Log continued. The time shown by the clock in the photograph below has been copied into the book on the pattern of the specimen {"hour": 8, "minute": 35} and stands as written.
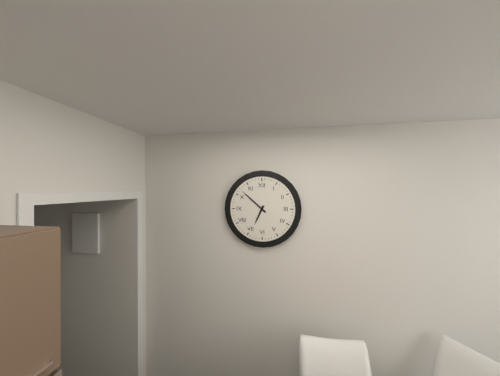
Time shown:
{"hour": 6, "minute": 52}
